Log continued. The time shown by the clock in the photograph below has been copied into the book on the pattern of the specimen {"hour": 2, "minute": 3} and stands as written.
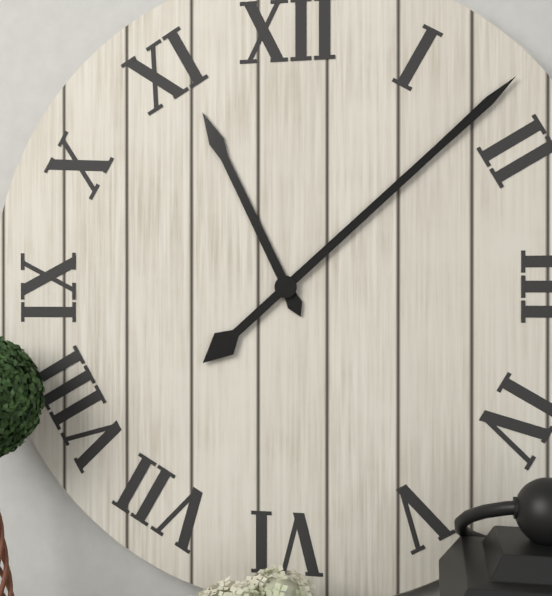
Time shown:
{"hour": 11, "minute": 8}
